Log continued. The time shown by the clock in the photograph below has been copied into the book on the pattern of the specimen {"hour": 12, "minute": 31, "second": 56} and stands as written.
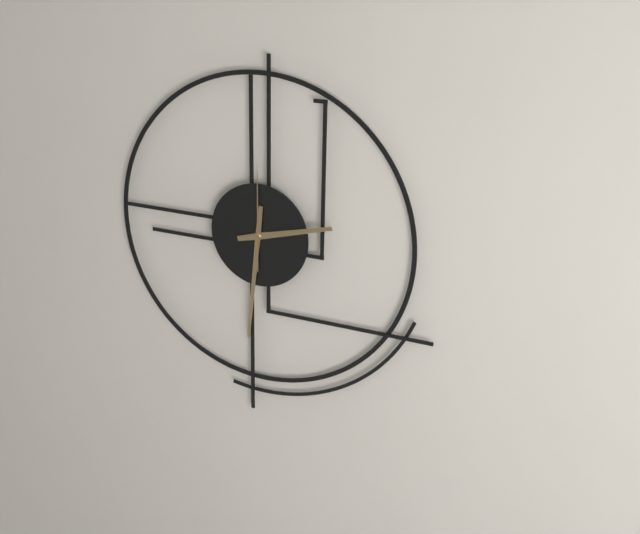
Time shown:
{"hour": 2, "minute": 31, "second": 0}
